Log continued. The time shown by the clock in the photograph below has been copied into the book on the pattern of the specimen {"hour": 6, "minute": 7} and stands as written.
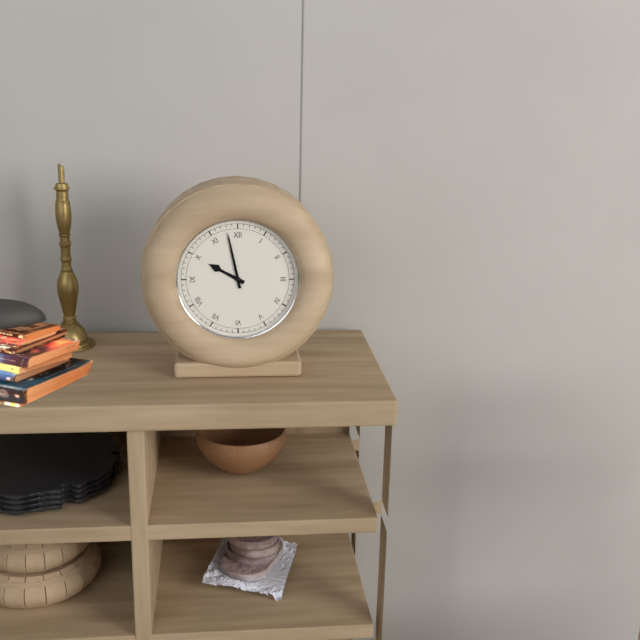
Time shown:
{"hour": 9, "minute": 58}
